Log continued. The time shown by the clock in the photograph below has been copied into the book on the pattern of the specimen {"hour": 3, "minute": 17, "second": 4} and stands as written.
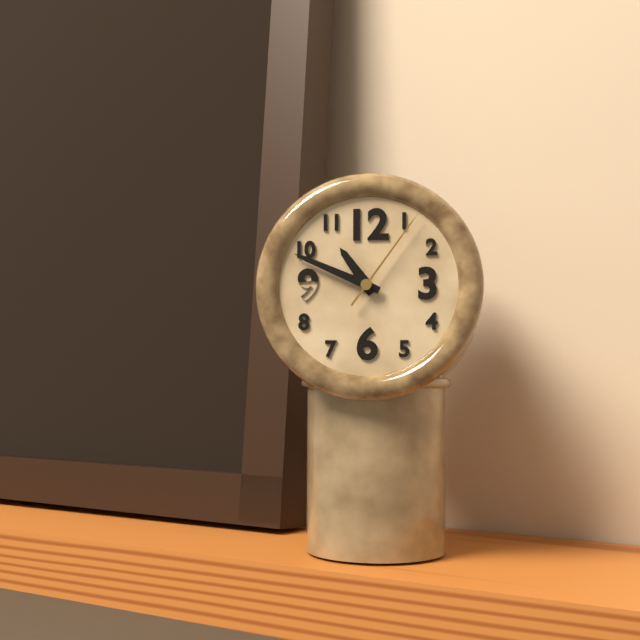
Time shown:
{"hour": 10, "minute": 49, "second": 6}
